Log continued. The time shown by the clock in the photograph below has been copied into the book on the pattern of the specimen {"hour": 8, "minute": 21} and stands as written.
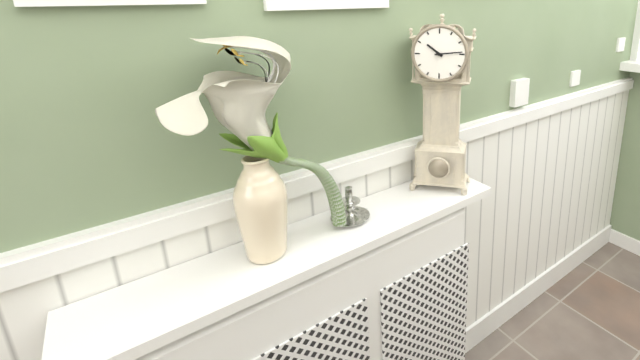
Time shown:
{"hour": 10, "minute": 14}
